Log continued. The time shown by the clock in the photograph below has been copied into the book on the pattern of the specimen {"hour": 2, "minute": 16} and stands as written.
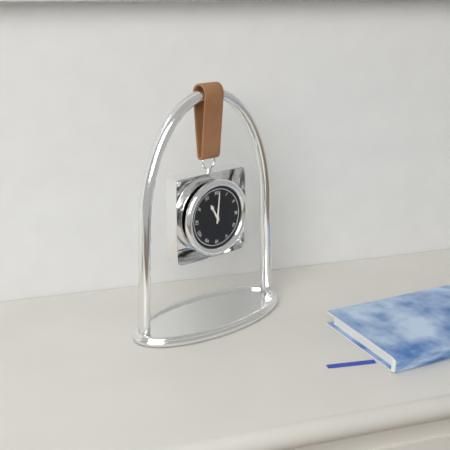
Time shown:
{"hour": 11, "minute": 1}
